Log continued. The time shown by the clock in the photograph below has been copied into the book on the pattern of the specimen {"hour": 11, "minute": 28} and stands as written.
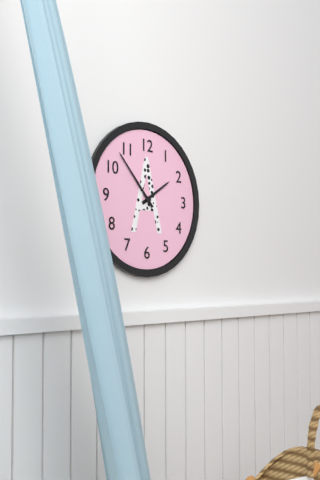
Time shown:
{"hour": 1, "minute": 53}
